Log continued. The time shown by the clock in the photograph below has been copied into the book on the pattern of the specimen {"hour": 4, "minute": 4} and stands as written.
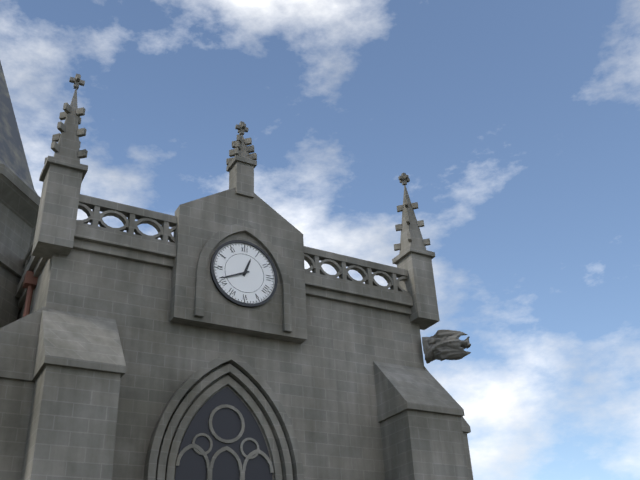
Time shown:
{"hour": 12, "minute": 41}
